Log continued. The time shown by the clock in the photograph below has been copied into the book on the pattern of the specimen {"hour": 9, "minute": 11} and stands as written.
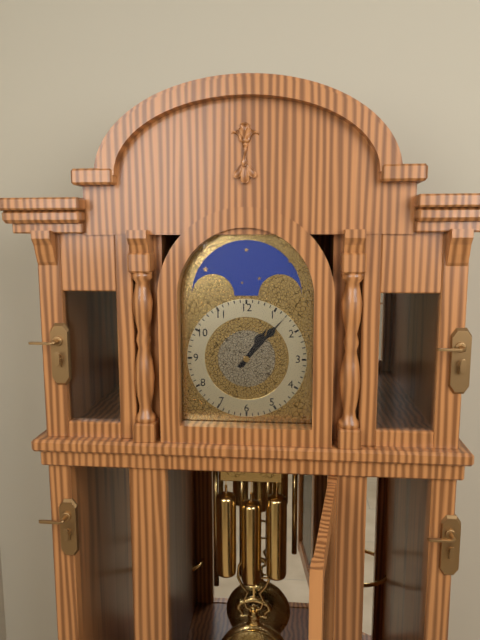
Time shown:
{"hour": 1, "minute": 7}
